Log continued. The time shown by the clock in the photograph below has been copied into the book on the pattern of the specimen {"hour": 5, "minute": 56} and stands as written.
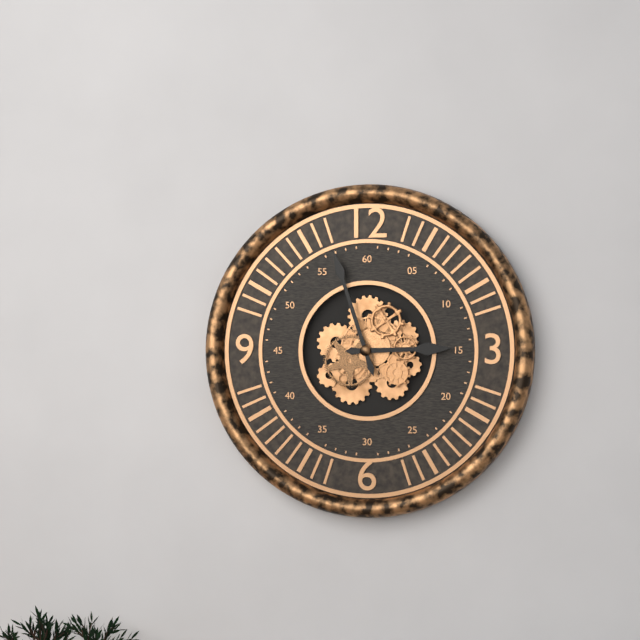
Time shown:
{"hour": 2, "minute": 57}
